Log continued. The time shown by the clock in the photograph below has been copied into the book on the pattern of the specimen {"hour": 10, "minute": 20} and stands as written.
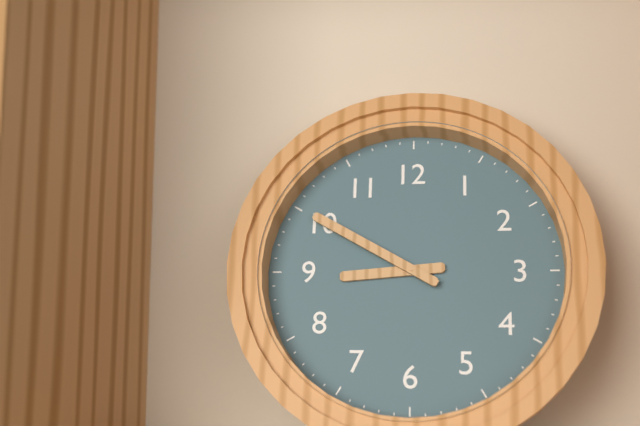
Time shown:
{"hour": 8, "minute": 50}
